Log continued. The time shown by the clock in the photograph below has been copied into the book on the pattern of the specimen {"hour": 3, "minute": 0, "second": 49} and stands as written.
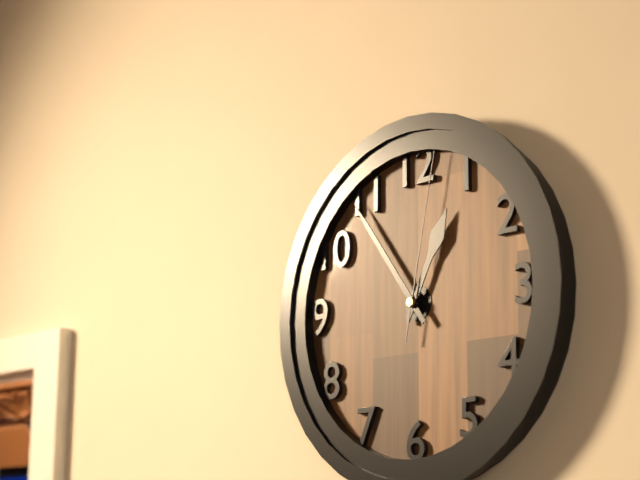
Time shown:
{"hour": 12, "minute": 54, "second": 2}
